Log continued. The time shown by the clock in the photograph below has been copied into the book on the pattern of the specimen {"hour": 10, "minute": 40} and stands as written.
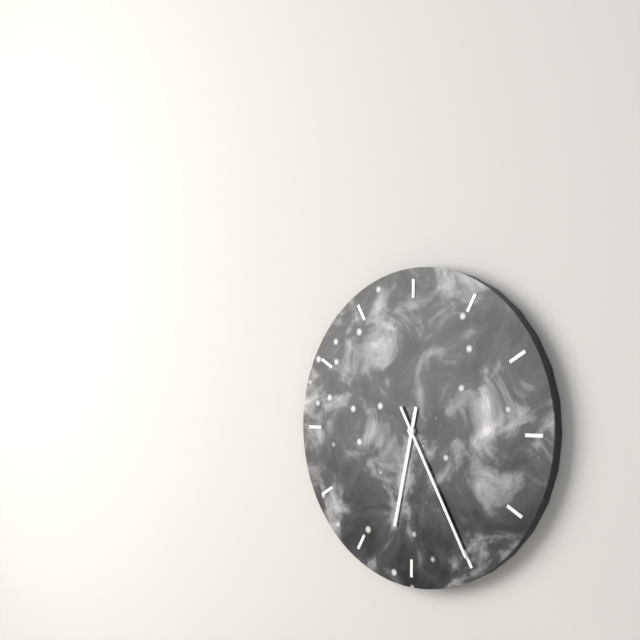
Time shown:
{"hour": 6, "minute": 25}
